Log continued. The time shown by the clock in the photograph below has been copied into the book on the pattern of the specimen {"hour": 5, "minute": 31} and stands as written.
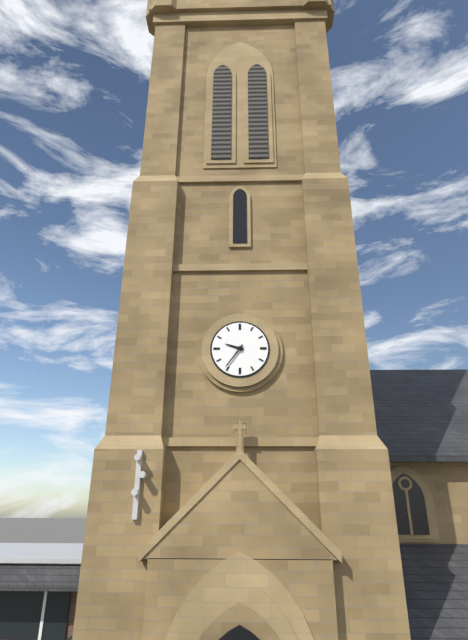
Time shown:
{"hour": 9, "minute": 36}
